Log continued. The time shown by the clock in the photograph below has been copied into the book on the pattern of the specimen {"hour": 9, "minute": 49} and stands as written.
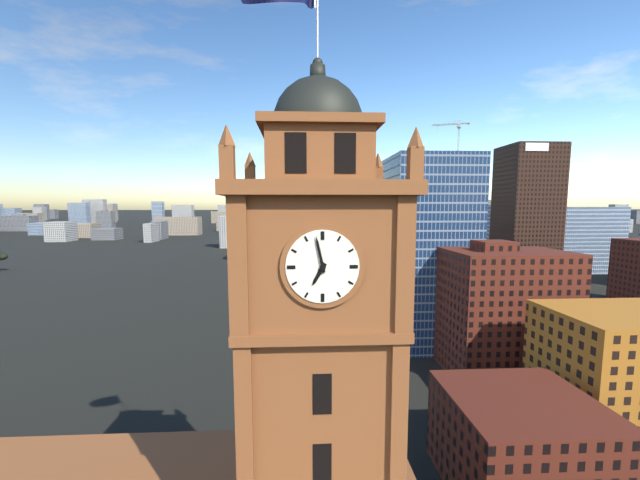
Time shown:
{"hour": 6, "minute": 58}
